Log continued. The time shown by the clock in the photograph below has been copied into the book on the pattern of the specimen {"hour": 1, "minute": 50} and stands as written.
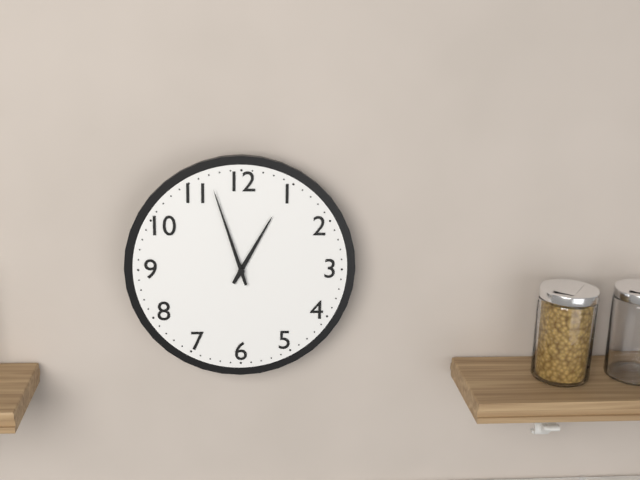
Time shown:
{"hour": 12, "minute": 57}
